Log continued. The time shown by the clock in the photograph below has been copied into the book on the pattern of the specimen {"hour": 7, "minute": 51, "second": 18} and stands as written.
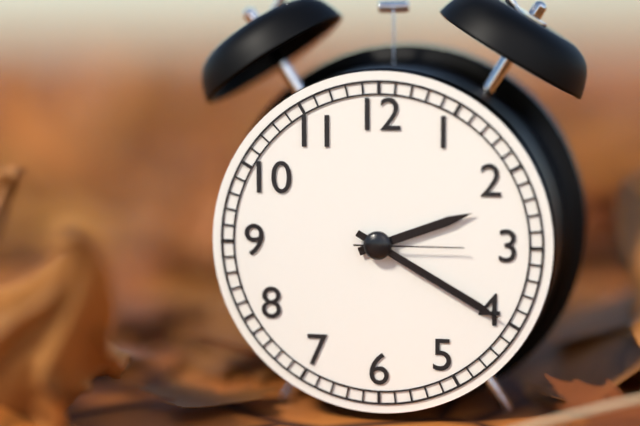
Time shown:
{"hour": 2, "minute": 20, "second": 15}
